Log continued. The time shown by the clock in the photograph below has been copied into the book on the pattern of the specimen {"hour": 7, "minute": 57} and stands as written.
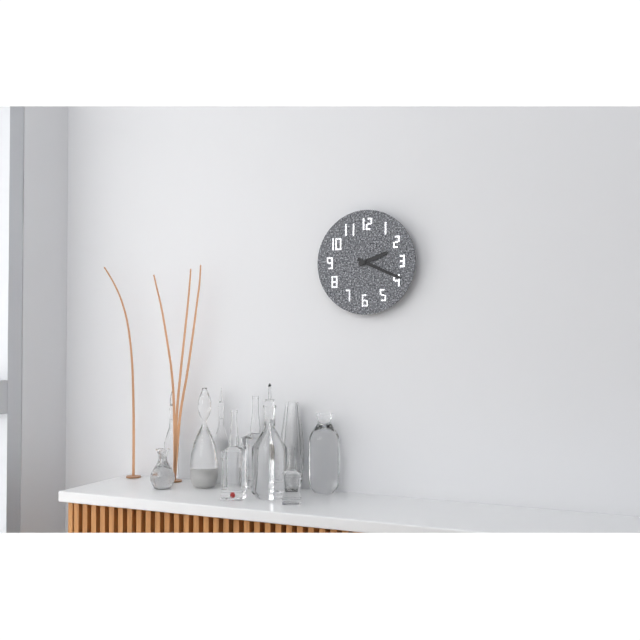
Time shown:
{"hour": 2, "minute": 19}
